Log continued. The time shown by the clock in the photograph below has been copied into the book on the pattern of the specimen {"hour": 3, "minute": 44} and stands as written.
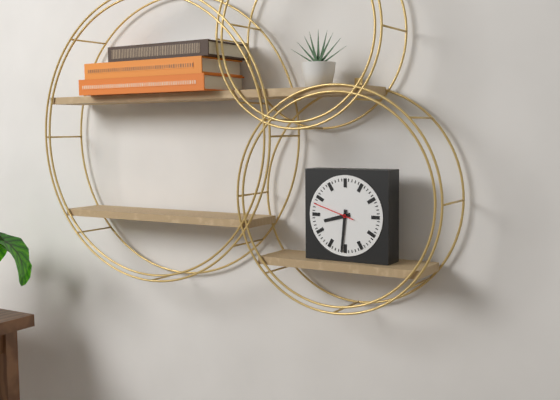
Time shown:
{"hour": 8, "minute": 31}
